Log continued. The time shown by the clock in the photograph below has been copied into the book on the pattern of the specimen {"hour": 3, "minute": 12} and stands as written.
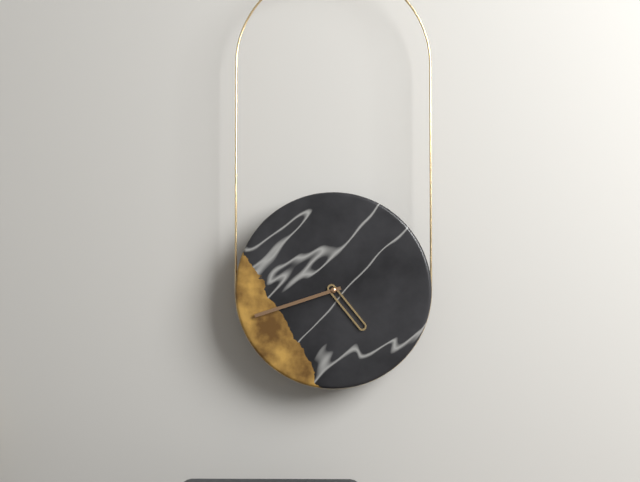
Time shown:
{"hour": 4, "minute": 42}
